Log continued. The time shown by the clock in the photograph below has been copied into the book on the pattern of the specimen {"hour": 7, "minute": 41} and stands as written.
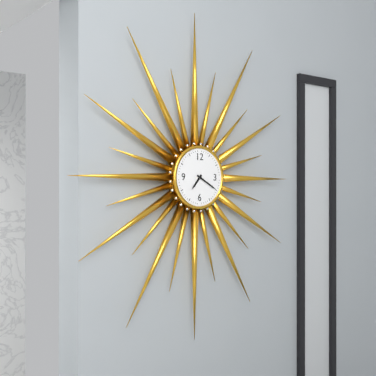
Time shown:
{"hour": 7, "minute": 20}
